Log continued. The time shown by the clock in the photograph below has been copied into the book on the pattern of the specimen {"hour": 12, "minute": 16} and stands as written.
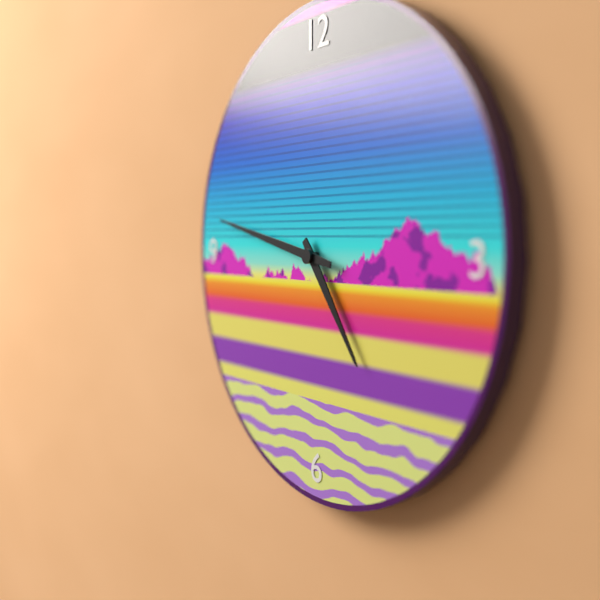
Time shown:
{"hour": 4, "minute": 47}
